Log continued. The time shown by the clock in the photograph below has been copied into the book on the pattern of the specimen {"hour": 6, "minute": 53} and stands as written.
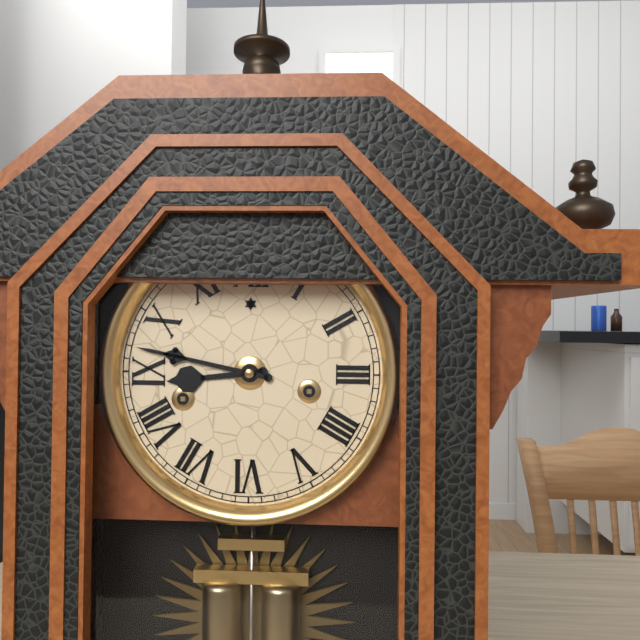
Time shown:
{"hour": 8, "minute": 47}
